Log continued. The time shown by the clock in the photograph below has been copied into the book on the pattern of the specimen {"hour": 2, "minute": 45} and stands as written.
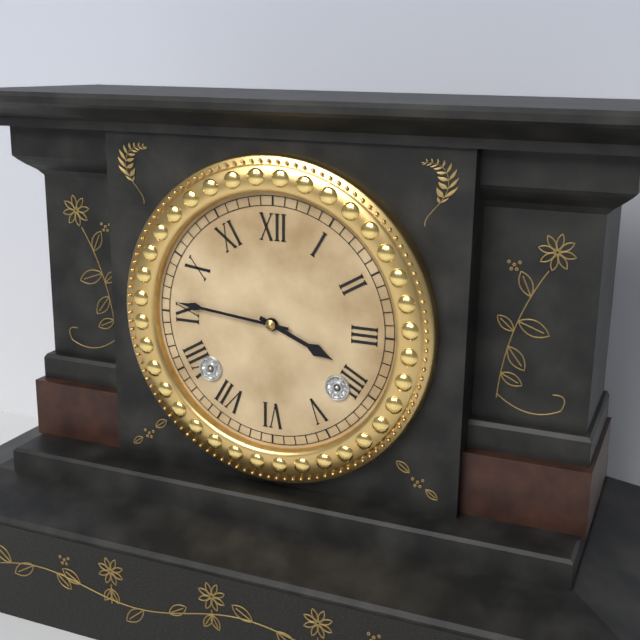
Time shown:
{"hour": 3, "minute": 46}
